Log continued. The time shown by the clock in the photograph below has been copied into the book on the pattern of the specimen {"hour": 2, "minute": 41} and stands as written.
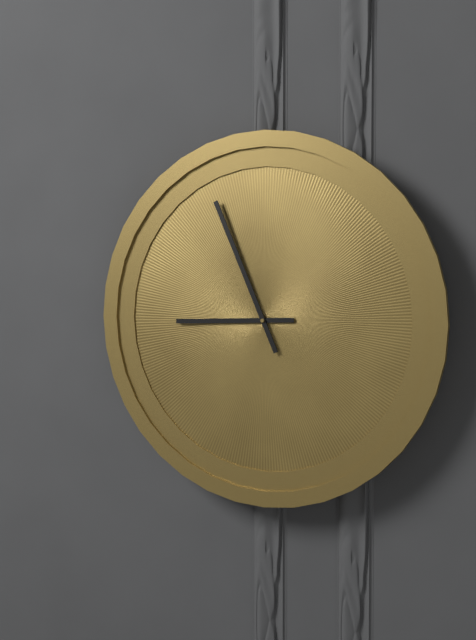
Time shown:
{"hour": 8, "minute": 56}
